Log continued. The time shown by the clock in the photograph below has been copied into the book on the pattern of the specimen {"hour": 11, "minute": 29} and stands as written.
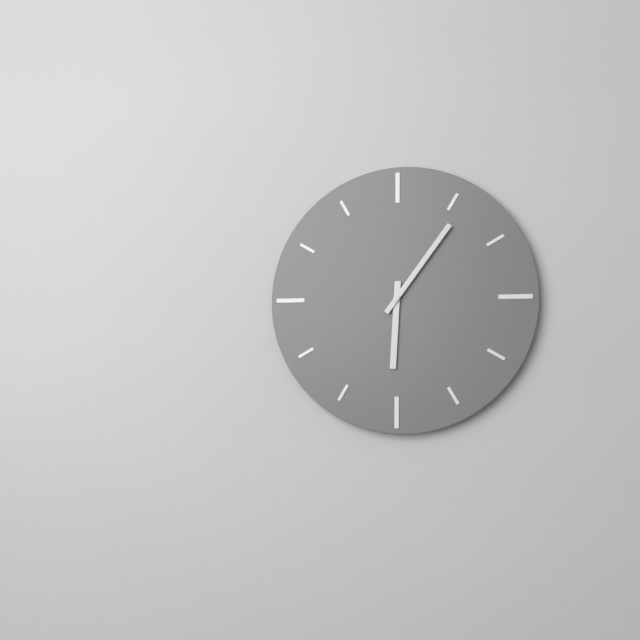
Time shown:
{"hour": 6, "minute": 6}
